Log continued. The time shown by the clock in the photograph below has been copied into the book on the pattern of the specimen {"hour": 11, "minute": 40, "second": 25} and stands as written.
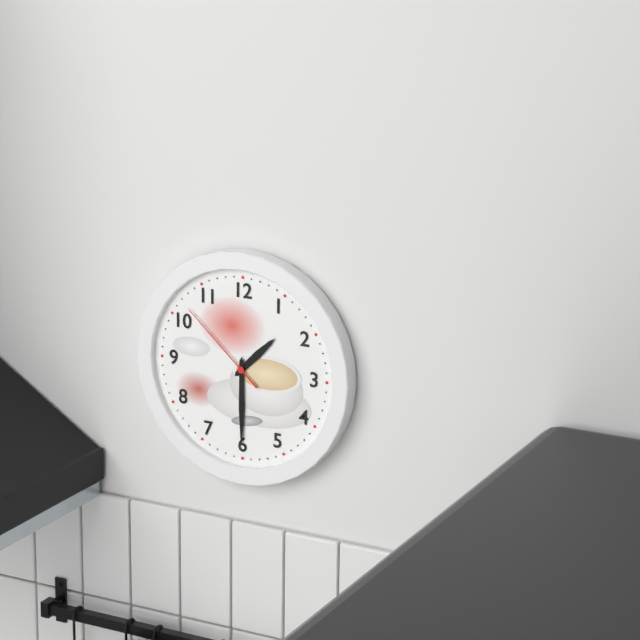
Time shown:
{"hour": 1, "minute": 30, "second": 52}
